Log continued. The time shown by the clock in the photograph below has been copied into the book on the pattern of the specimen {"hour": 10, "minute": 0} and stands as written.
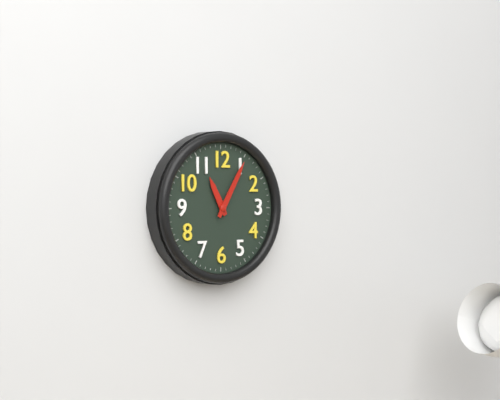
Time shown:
{"hour": 11, "minute": 5}
